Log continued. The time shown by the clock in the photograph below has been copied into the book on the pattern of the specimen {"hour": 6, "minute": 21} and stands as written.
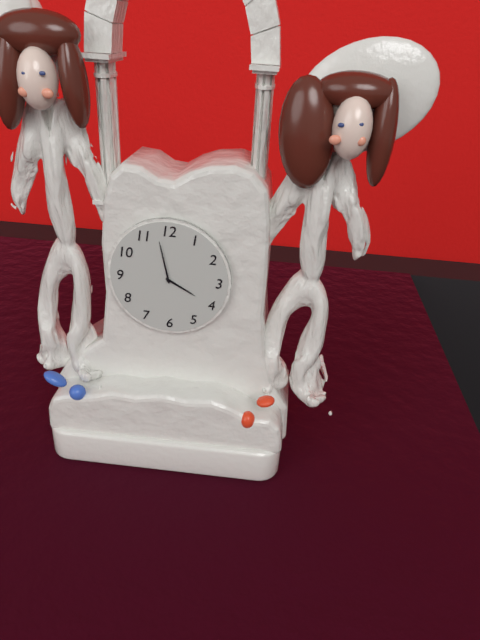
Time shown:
{"hour": 3, "minute": 58}
